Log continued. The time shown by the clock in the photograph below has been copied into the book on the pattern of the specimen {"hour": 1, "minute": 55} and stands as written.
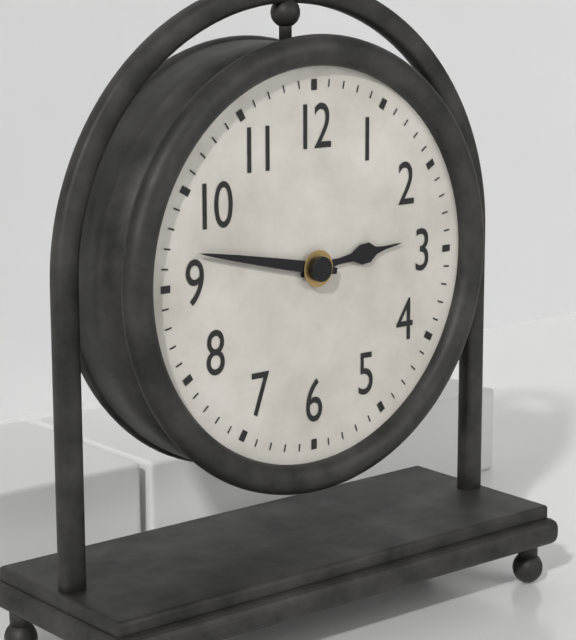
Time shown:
{"hour": 2, "minute": 47}
